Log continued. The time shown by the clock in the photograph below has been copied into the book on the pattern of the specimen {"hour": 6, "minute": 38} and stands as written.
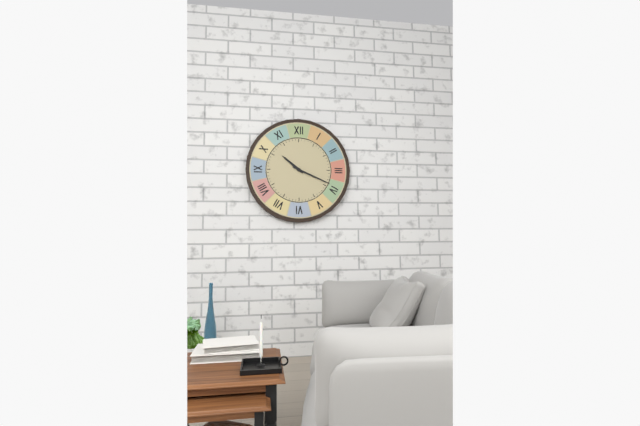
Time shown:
{"hour": 10, "minute": 19}
